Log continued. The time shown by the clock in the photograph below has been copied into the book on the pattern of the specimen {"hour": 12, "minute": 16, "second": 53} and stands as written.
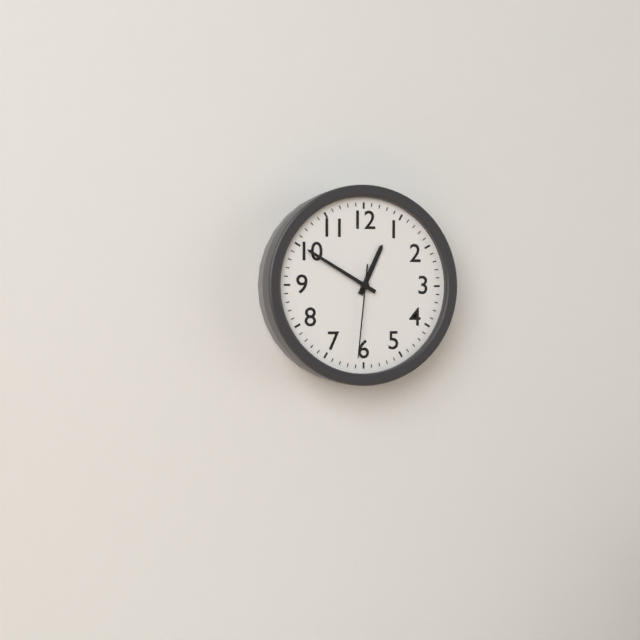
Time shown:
{"hour": 12, "minute": 50, "second": 31}
